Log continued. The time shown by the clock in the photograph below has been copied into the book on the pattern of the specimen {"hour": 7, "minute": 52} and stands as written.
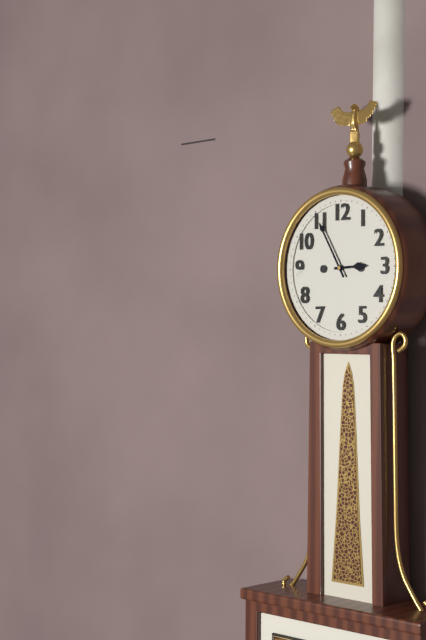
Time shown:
{"hour": 2, "minute": 55}
